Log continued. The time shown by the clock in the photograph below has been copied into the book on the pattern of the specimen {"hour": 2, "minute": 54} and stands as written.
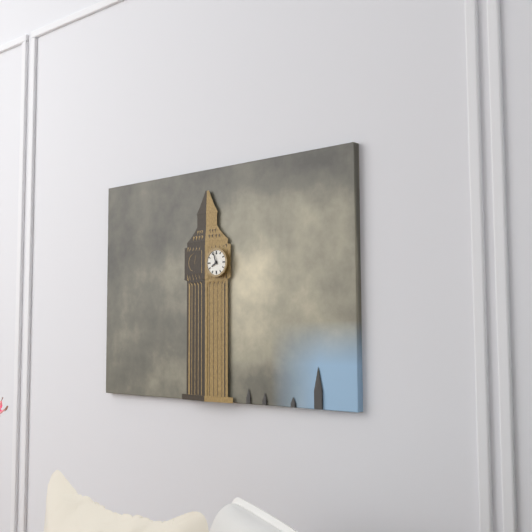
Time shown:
{"hour": 7, "minute": 57}
